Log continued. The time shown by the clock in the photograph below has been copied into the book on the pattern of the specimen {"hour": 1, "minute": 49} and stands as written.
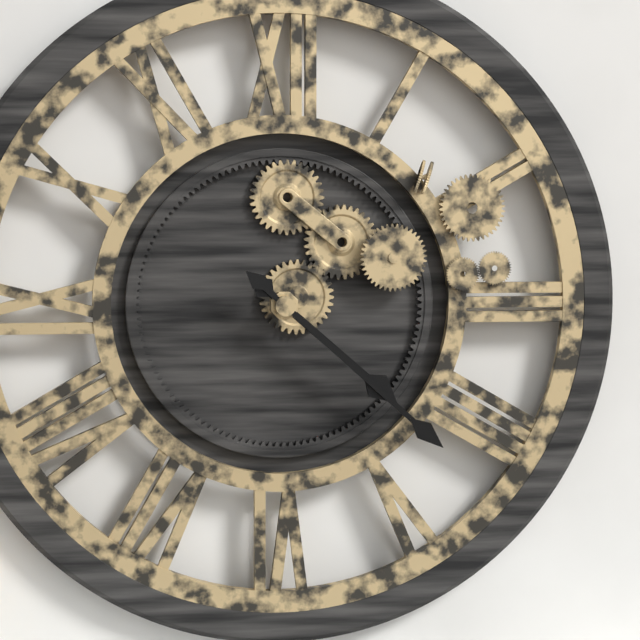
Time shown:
{"hour": 4, "minute": 22}
